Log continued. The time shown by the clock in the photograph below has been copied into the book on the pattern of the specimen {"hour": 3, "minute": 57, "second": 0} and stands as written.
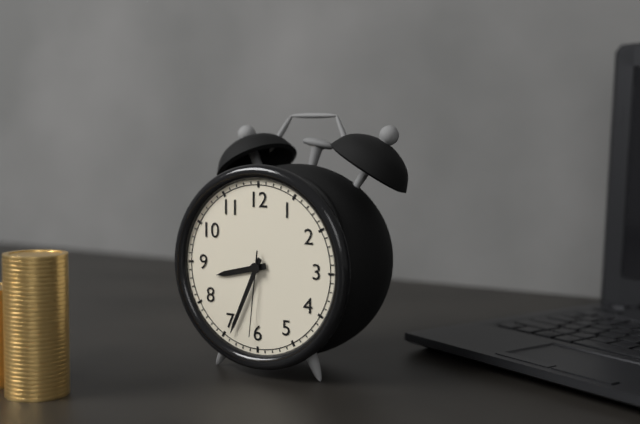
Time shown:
{"hour": 8, "minute": 34, "second": 31}
